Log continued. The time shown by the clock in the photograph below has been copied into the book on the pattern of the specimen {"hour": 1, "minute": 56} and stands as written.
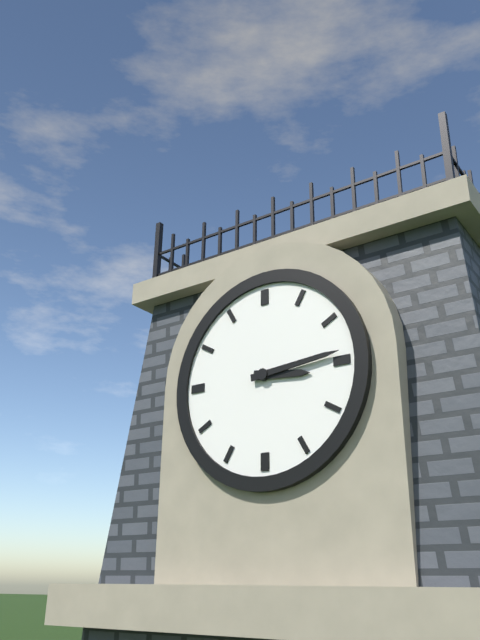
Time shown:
{"hour": 3, "minute": 14}
